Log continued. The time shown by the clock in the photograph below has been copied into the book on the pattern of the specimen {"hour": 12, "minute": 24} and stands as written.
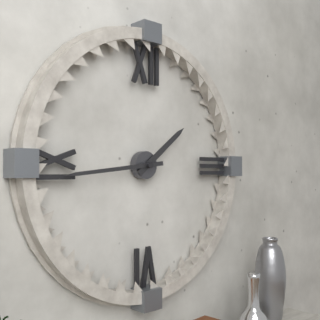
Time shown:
{"hour": 1, "minute": 44}
